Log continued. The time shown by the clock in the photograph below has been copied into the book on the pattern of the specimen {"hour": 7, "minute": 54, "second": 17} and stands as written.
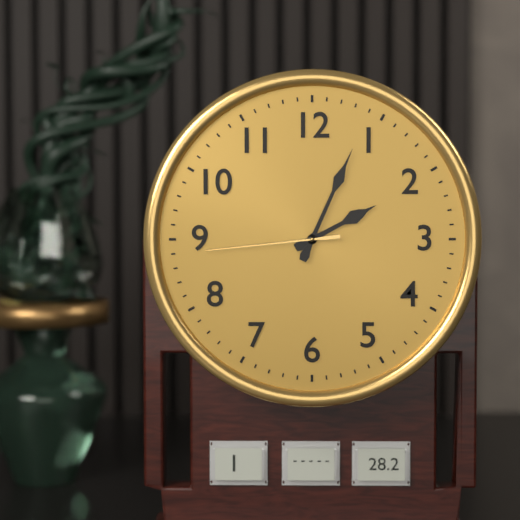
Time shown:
{"hour": 2, "minute": 4, "second": 44}
